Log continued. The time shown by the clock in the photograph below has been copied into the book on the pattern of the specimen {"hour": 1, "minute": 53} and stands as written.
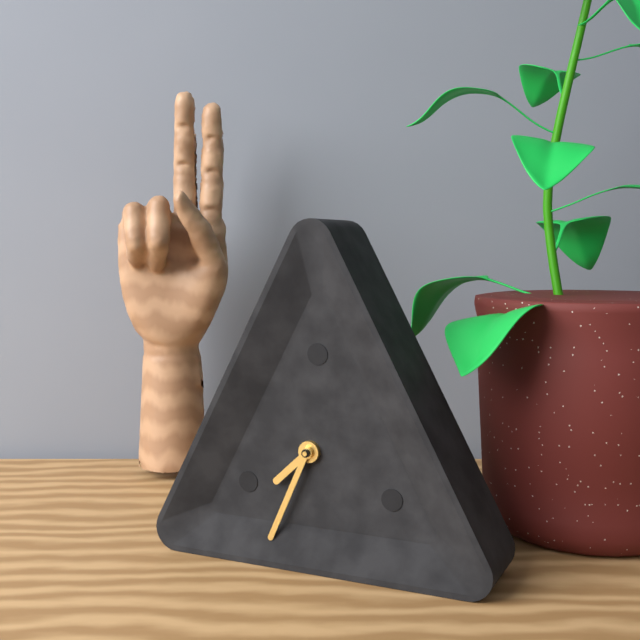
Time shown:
{"hour": 7, "minute": 34}
